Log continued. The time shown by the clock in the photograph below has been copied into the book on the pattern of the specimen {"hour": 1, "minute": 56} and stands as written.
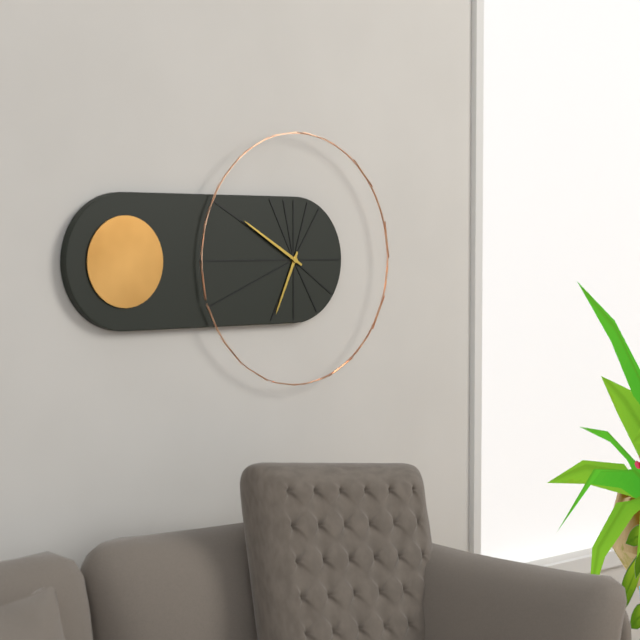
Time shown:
{"hour": 6, "minute": 50}
